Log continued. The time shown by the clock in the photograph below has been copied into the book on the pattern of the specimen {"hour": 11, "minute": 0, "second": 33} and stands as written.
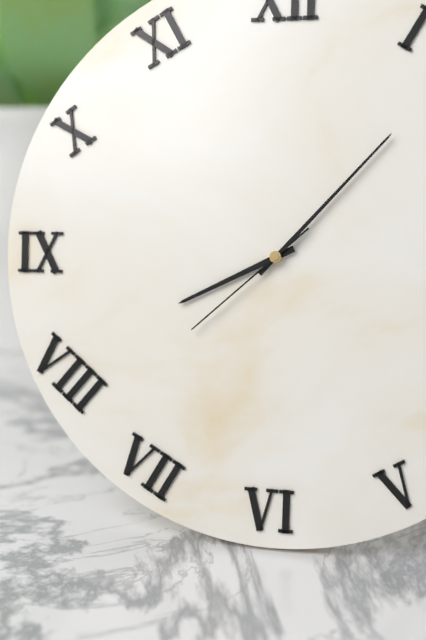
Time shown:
{"hour": 8, "minute": 7, "second": 38}
